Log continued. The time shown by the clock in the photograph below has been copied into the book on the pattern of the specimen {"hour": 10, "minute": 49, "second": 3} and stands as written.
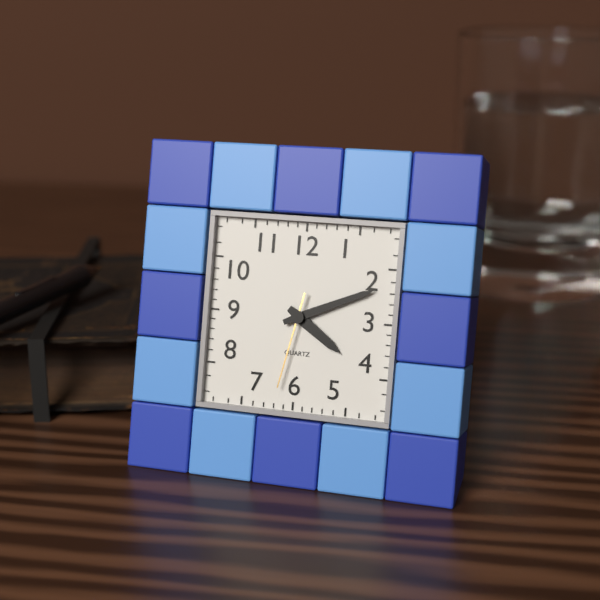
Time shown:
{"hour": 4, "minute": 11, "second": 32}
